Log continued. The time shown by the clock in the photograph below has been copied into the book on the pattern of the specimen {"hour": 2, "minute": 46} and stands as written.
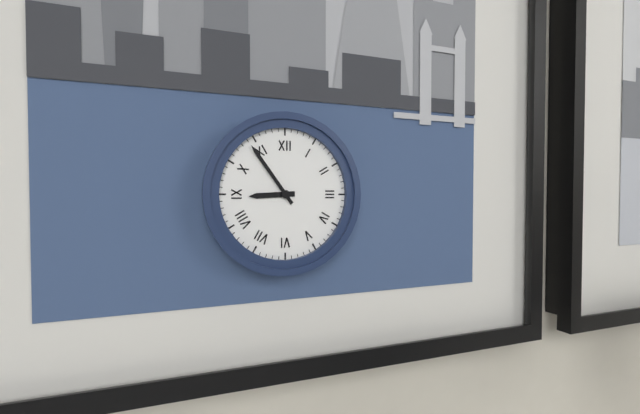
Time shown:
{"hour": 8, "minute": 54}
